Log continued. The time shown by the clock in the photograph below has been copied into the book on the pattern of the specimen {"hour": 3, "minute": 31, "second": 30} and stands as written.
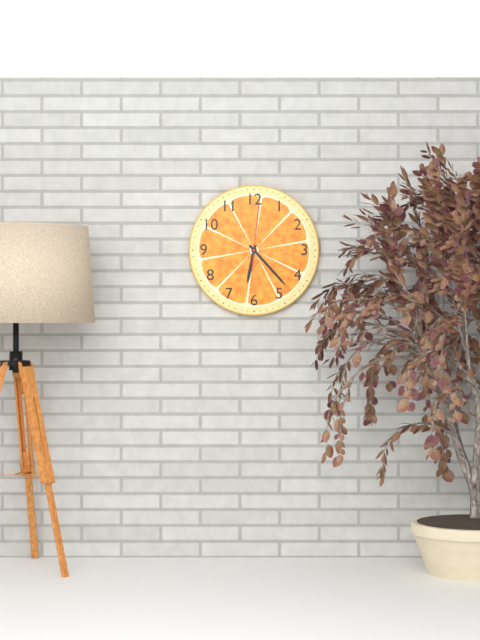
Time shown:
{"hour": 6, "minute": 23, "second": 1}
